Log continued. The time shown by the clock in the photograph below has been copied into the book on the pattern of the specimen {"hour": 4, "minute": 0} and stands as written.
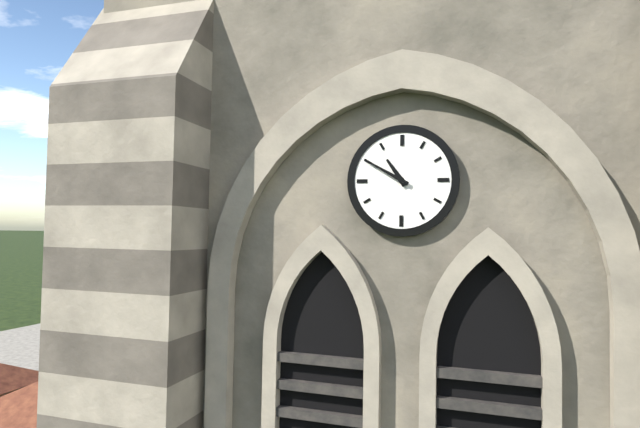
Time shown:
{"hour": 10, "minute": 50}
